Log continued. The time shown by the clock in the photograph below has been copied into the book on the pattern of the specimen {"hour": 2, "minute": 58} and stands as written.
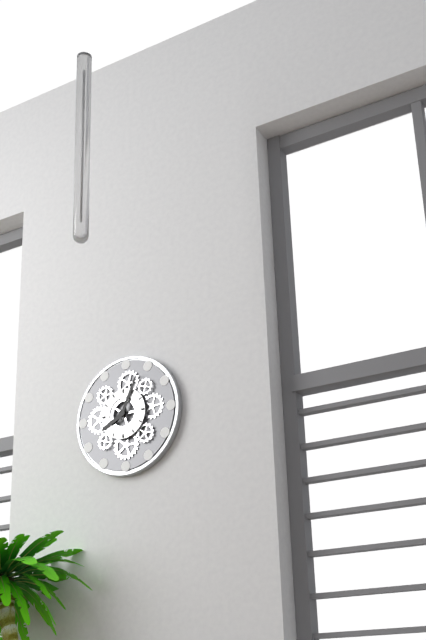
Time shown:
{"hour": 8, "minute": 4}
